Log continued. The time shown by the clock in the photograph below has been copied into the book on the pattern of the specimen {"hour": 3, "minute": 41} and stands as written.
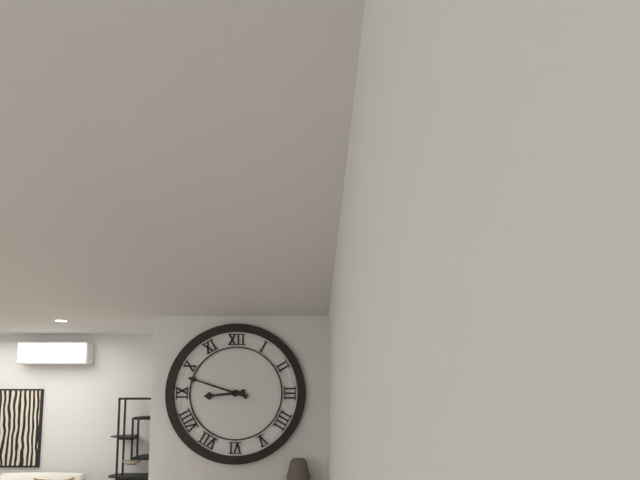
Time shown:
{"hour": 8, "minute": 48}
